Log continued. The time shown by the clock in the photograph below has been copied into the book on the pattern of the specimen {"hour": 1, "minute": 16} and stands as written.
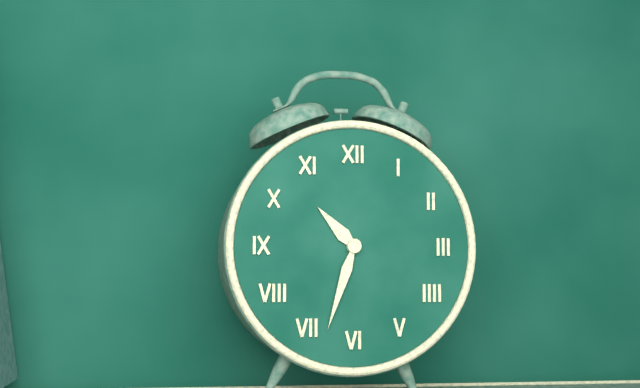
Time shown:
{"hour": 10, "minute": 33}
